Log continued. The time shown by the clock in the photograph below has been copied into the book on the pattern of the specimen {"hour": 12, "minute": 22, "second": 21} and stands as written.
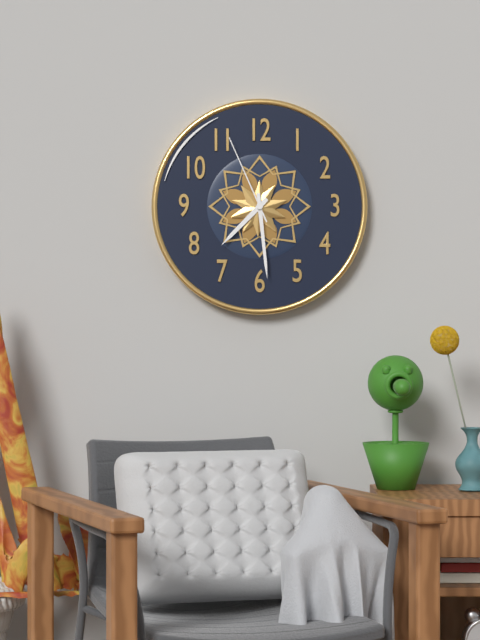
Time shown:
{"hour": 7, "minute": 29, "second": 56}
